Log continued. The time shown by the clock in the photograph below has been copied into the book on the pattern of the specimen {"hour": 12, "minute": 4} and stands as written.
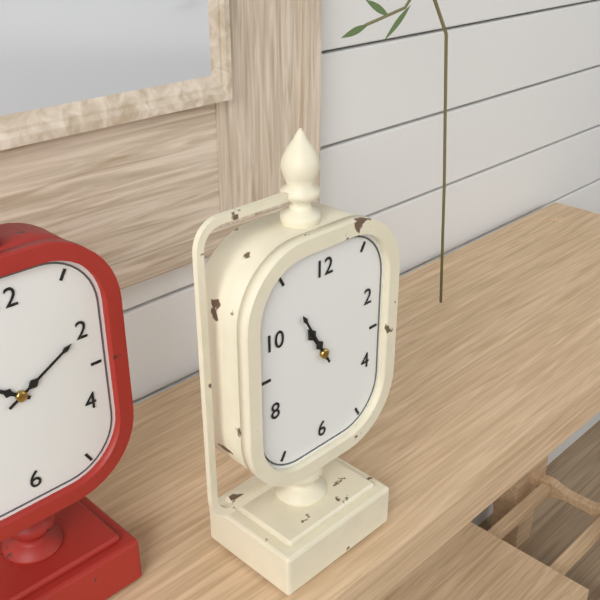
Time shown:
{"hour": 10, "minute": 55}
